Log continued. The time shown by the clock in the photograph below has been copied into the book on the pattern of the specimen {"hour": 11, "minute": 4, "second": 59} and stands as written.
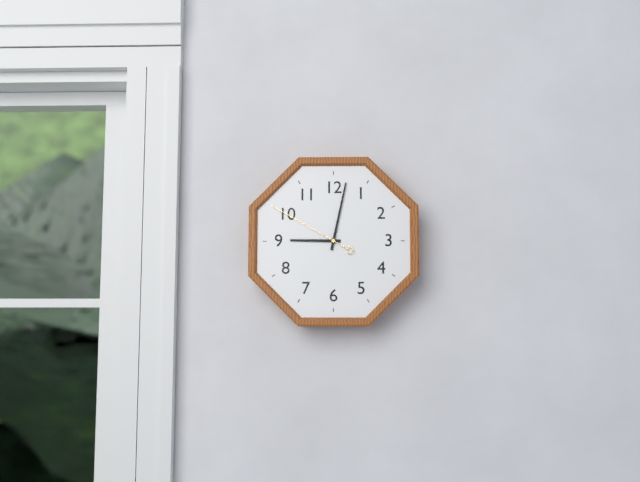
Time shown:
{"hour": 9, "minute": 2, "second": 50}
